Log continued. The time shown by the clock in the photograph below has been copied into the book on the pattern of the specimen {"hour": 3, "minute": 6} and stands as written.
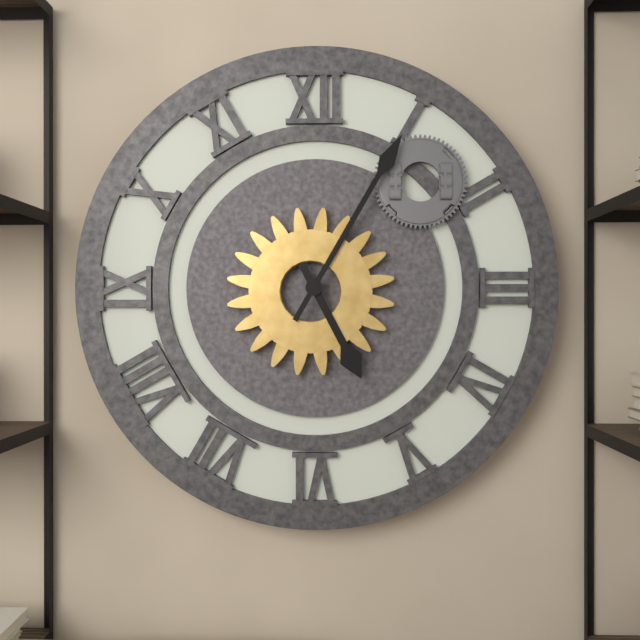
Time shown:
{"hour": 5, "minute": 5}
